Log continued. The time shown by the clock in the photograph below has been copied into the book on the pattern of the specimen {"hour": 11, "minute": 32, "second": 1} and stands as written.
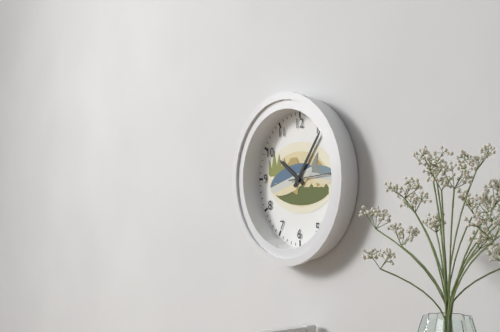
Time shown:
{"hour": 10, "minute": 6, "second": 14}
